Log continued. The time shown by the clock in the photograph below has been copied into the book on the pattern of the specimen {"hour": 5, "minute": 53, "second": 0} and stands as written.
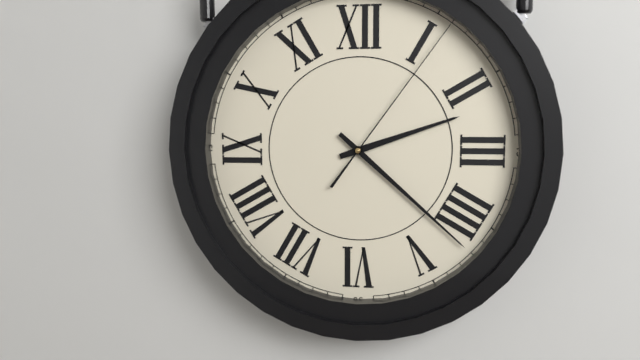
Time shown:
{"hour": 2, "minute": 22, "second": 6}
